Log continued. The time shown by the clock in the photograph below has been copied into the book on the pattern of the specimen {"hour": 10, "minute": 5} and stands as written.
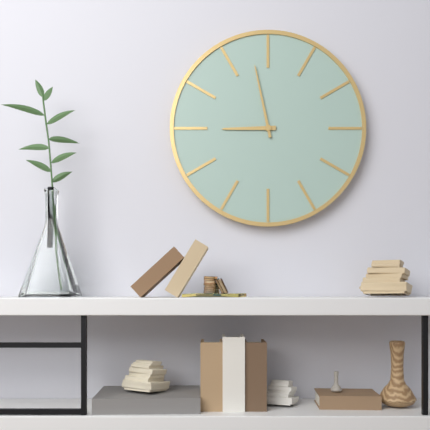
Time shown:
{"hour": 8, "minute": 58}
